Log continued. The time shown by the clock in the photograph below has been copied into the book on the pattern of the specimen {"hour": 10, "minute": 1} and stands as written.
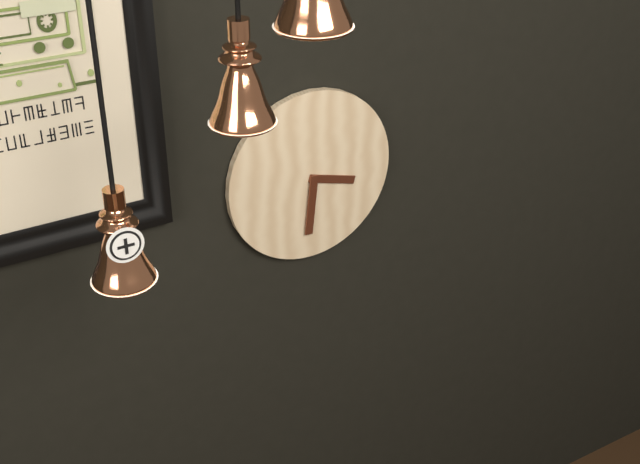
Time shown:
{"hour": 3, "minute": 31}
